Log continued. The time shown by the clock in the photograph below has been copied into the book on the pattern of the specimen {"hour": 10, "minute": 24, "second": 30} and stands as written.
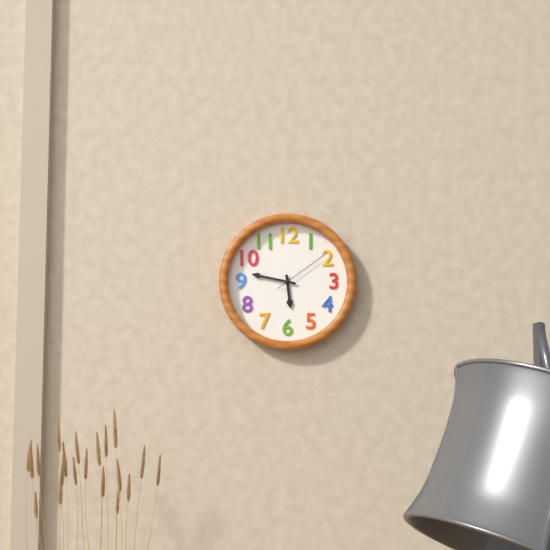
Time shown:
{"hour": 5, "minute": 47, "second": 9}
